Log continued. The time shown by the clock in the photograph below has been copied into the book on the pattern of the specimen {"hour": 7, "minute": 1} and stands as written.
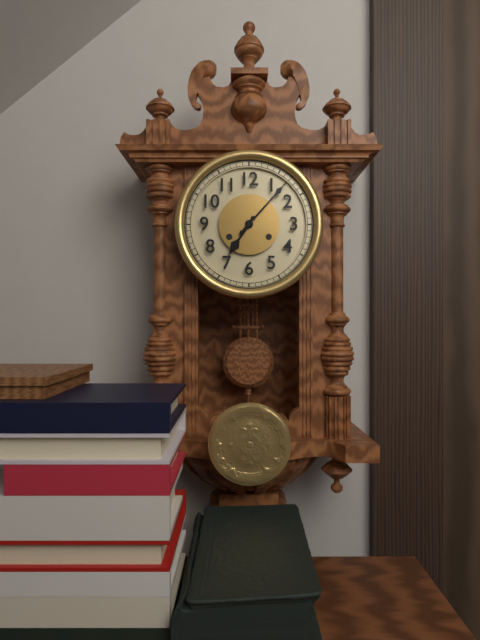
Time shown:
{"hour": 7, "minute": 7}
